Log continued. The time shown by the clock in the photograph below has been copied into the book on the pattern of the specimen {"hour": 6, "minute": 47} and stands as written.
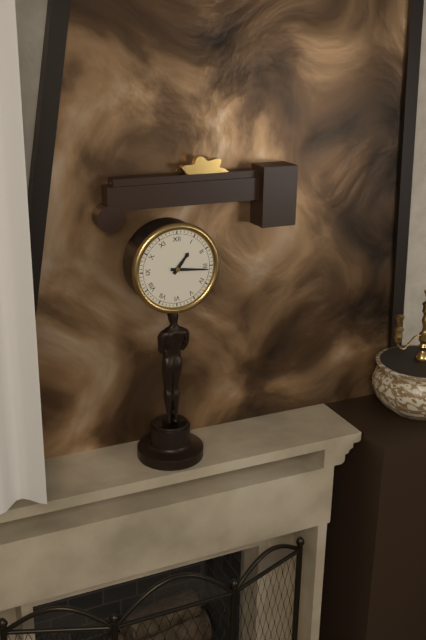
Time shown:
{"hour": 1, "minute": 16}
